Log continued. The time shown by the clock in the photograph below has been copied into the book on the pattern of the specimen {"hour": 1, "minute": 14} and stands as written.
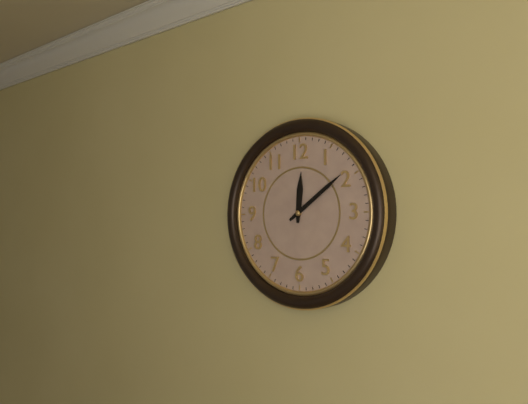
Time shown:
{"hour": 12, "minute": 9}
